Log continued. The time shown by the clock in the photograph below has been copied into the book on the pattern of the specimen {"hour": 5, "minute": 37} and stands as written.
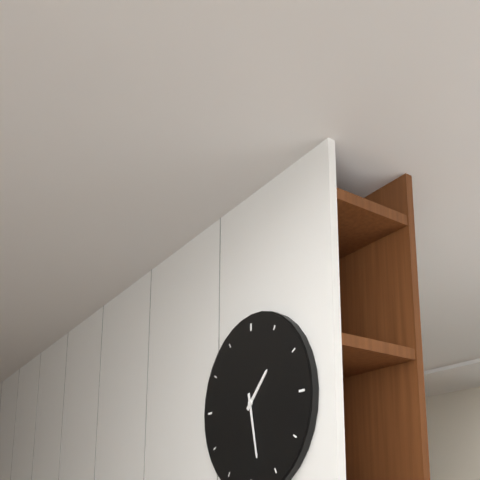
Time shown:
{"hour": 1, "minute": 28}
